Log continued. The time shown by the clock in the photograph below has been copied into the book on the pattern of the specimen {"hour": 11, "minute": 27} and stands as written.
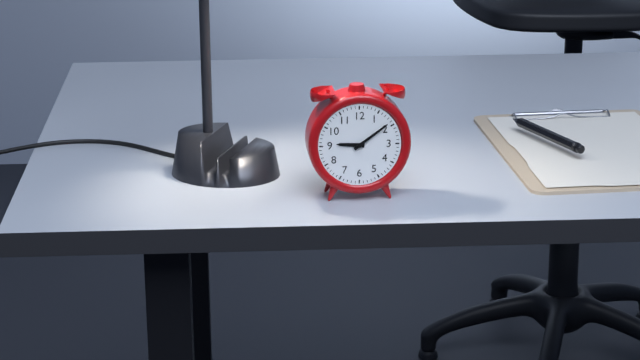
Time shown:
{"hour": 9, "minute": 9}
